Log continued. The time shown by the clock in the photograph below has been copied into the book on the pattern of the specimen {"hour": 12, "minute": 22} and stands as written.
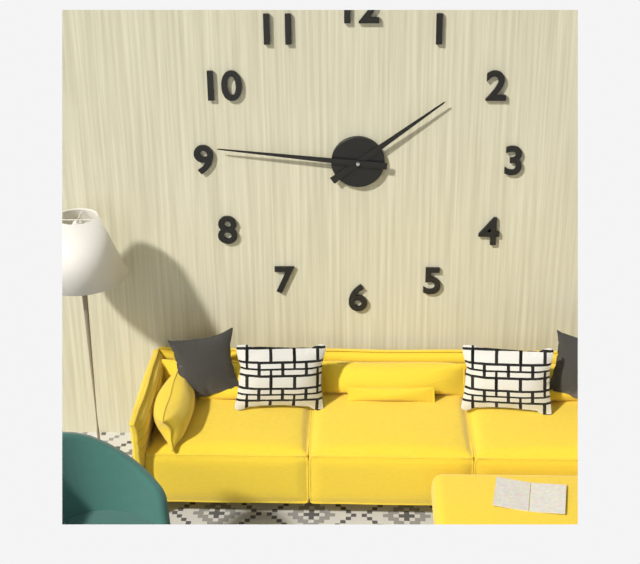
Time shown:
{"hour": 1, "minute": 46}
